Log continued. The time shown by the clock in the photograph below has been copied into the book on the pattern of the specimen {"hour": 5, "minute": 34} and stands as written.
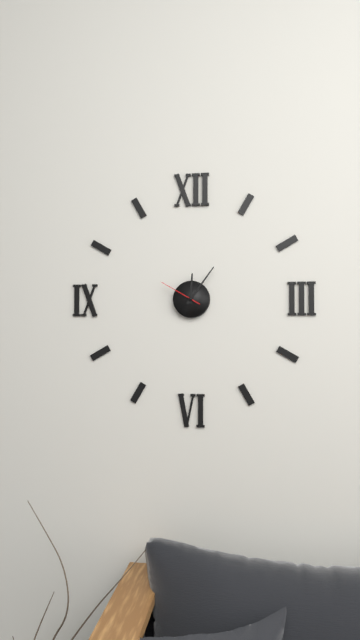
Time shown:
{"hour": 12, "minute": 6}
